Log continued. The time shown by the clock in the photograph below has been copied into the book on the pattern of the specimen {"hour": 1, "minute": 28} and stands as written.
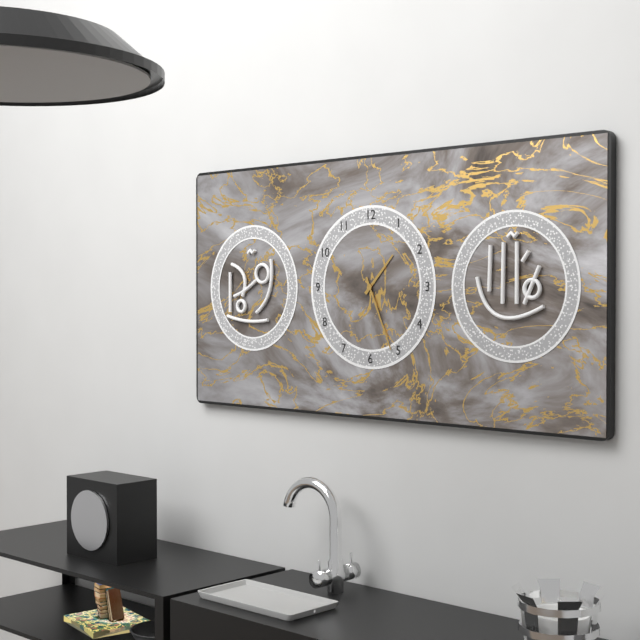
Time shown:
{"hour": 1, "minute": 26}
